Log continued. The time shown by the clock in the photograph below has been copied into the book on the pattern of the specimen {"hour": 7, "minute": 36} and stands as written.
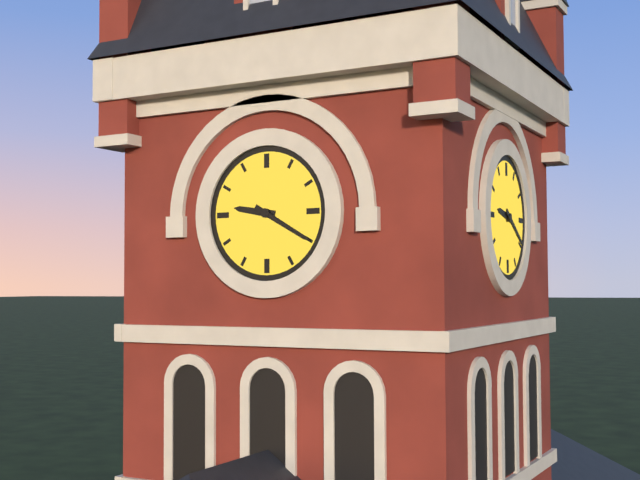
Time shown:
{"hour": 9, "minute": 20}
